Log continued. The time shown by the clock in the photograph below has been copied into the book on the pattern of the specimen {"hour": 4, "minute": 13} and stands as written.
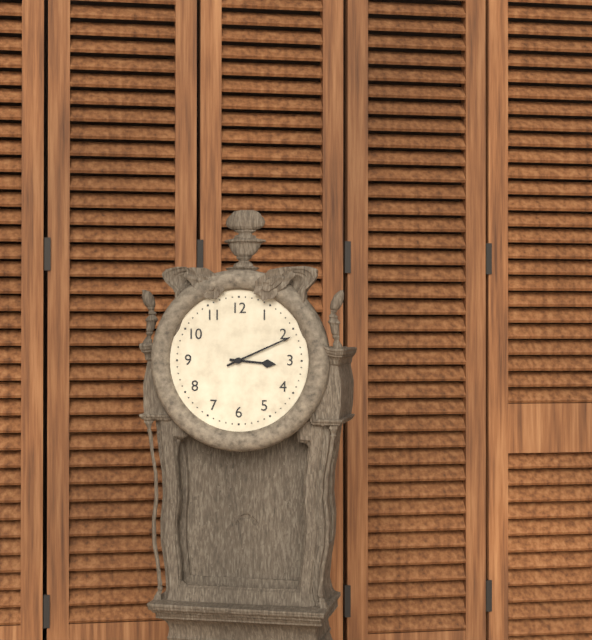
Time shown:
{"hour": 3, "minute": 11}
